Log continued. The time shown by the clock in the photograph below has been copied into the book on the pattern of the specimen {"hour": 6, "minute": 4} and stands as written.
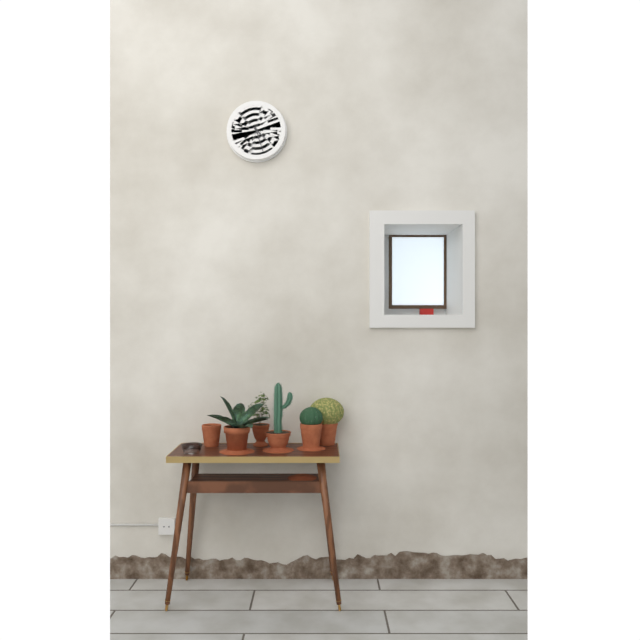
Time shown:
{"hour": 4, "minute": 27}
